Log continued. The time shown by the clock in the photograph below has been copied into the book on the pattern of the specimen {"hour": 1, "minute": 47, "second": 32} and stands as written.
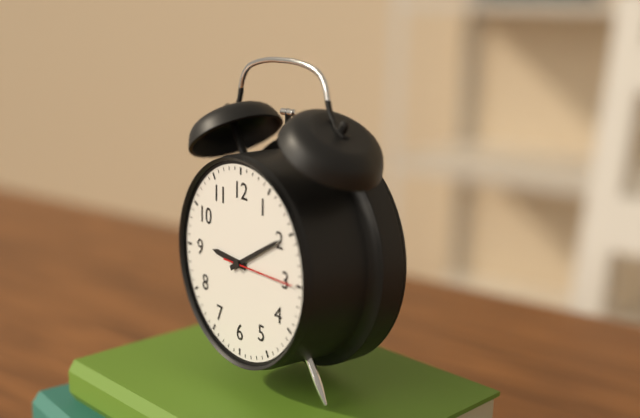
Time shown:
{"hour": 9, "minute": 10, "second": 15}
